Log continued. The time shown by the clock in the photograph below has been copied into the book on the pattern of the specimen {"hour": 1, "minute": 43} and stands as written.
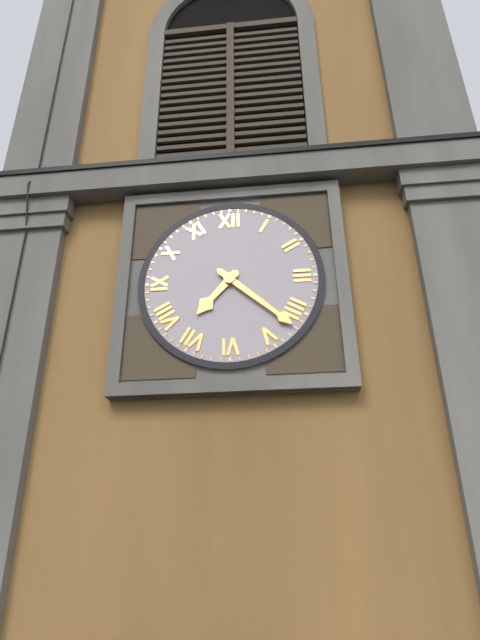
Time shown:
{"hour": 7, "minute": 22}
